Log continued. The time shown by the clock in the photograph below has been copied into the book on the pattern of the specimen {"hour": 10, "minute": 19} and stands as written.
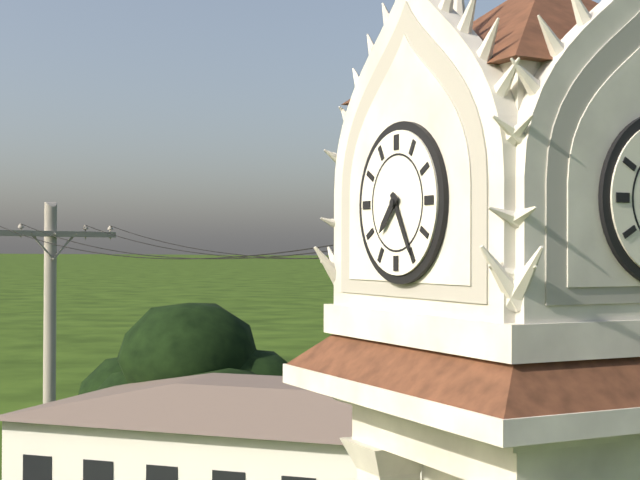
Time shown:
{"hour": 7, "minute": 25}
